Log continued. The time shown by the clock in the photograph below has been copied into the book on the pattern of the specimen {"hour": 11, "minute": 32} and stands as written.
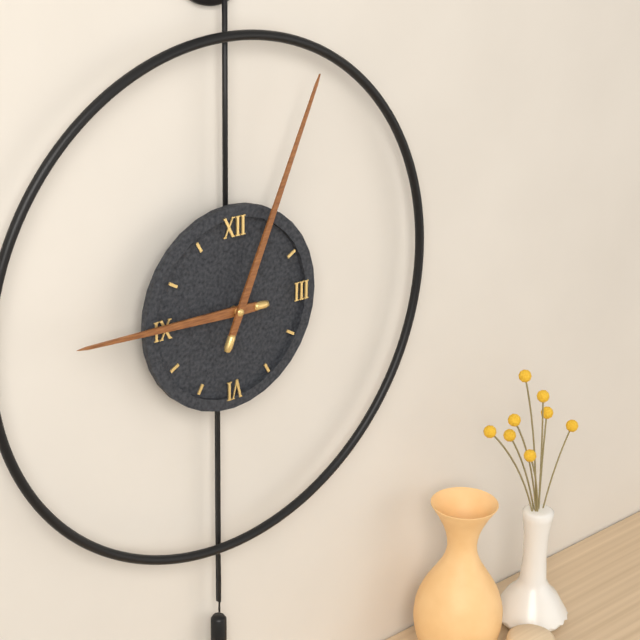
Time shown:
{"hour": 9, "minute": 4}
